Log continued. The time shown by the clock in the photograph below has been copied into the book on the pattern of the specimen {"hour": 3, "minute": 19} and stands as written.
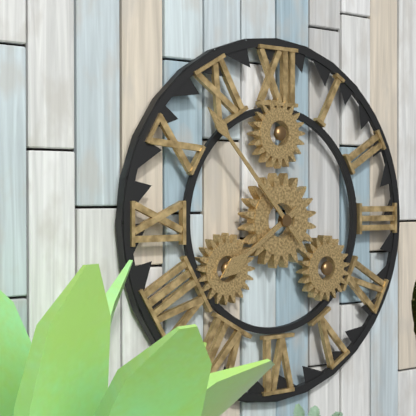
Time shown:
{"hour": 7, "minute": 53}
